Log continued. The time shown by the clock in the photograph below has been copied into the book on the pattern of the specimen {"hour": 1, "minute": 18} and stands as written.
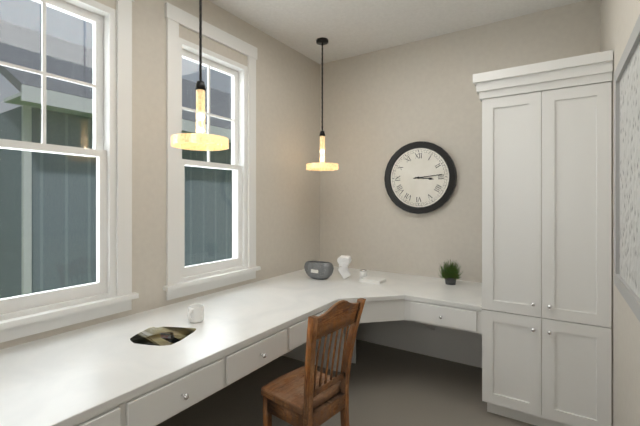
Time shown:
{"hour": 3, "minute": 14}
